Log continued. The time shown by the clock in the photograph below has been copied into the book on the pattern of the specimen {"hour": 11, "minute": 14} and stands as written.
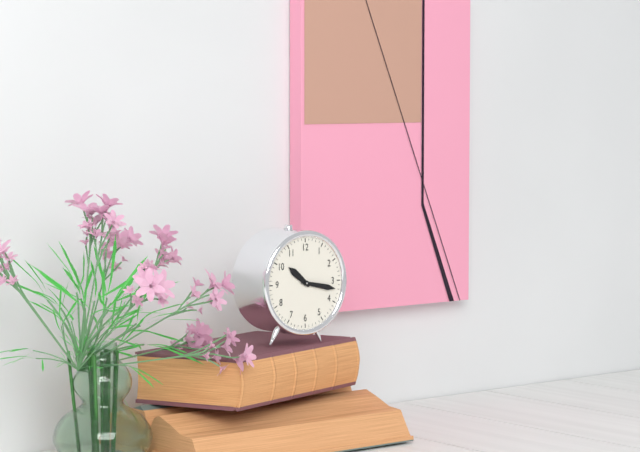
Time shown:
{"hour": 10, "minute": 17}
